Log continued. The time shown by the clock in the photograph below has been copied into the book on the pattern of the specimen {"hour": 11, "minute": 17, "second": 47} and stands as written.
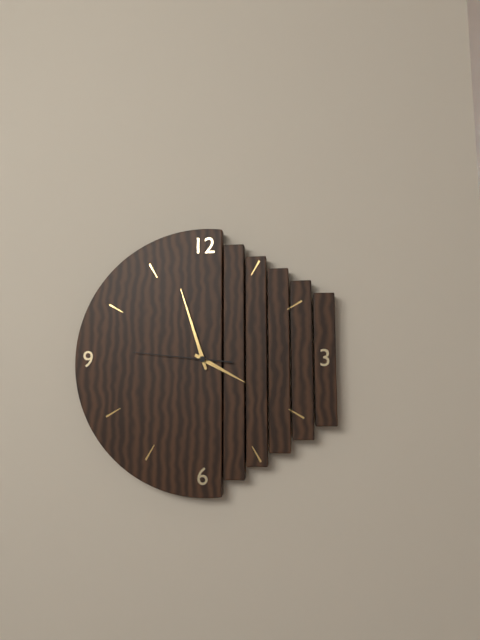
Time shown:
{"hour": 3, "minute": 57, "second": 46}
